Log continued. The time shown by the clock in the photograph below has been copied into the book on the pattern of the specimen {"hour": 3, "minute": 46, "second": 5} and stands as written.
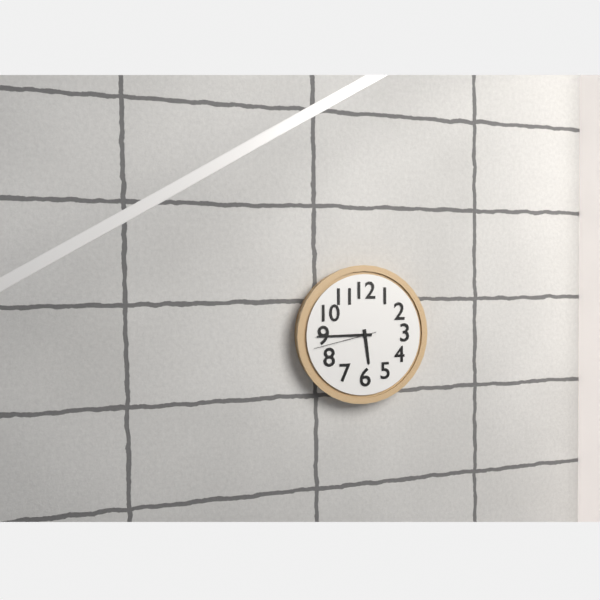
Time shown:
{"hour": 5, "minute": 45, "second": 43}
